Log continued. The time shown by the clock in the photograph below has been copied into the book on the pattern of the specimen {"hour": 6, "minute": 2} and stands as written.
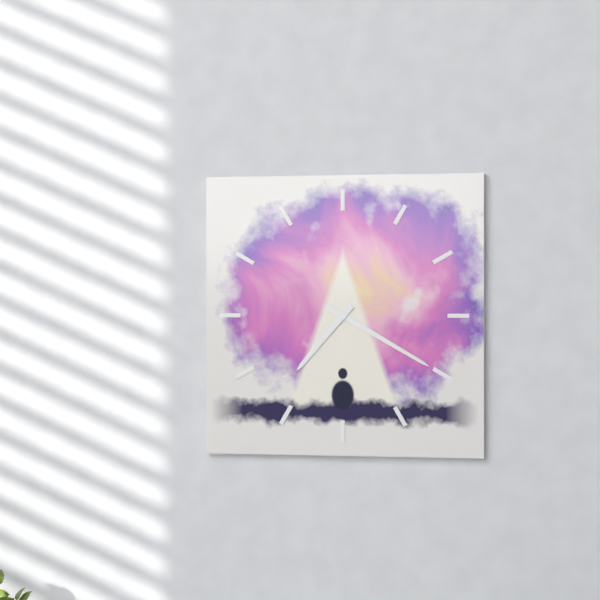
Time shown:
{"hour": 7, "minute": 20}
